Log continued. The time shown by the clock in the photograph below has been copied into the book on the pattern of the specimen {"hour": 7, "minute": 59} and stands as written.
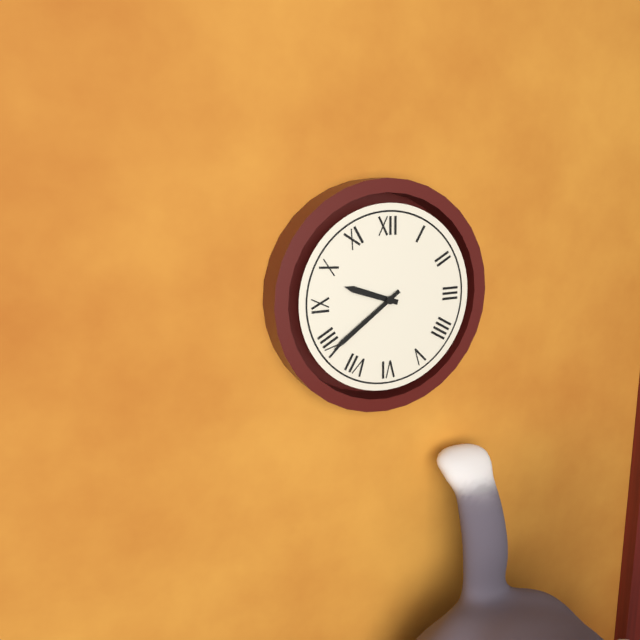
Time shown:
{"hour": 9, "minute": 39}
